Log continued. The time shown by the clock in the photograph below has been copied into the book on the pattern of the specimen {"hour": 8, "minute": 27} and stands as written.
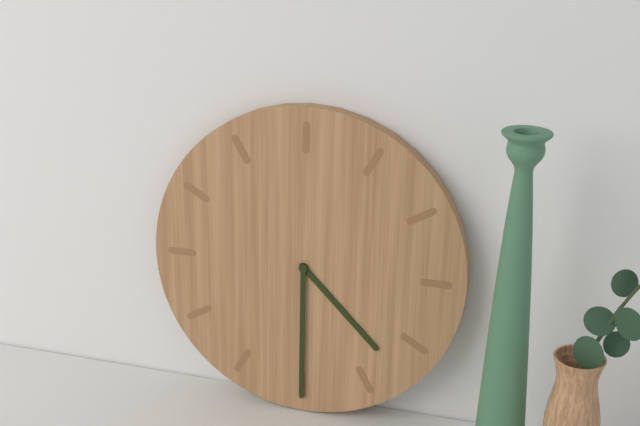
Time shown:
{"hour": 4, "minute": 30}
